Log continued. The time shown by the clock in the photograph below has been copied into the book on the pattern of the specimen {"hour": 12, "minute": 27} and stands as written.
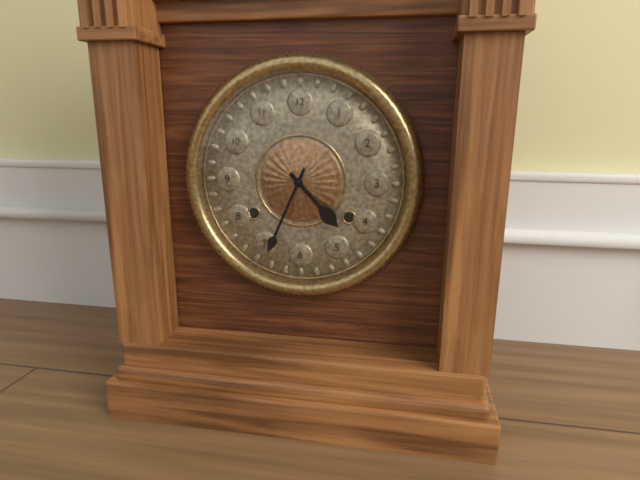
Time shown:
{"hour": 4, "minute": 34}
